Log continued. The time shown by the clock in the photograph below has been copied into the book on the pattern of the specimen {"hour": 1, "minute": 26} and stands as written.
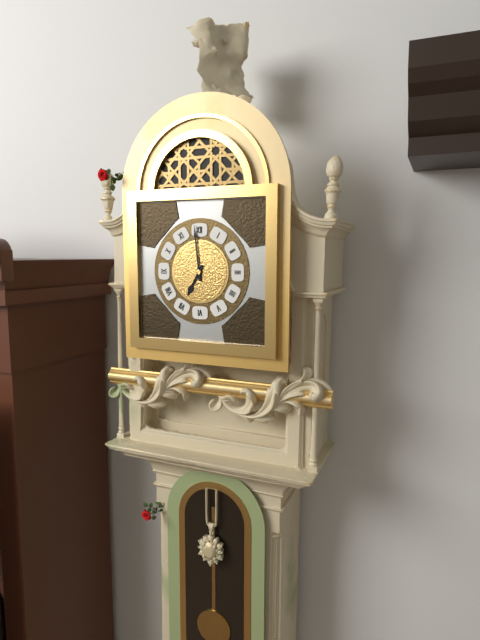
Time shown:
{"hour": 6, "minute": 59}
